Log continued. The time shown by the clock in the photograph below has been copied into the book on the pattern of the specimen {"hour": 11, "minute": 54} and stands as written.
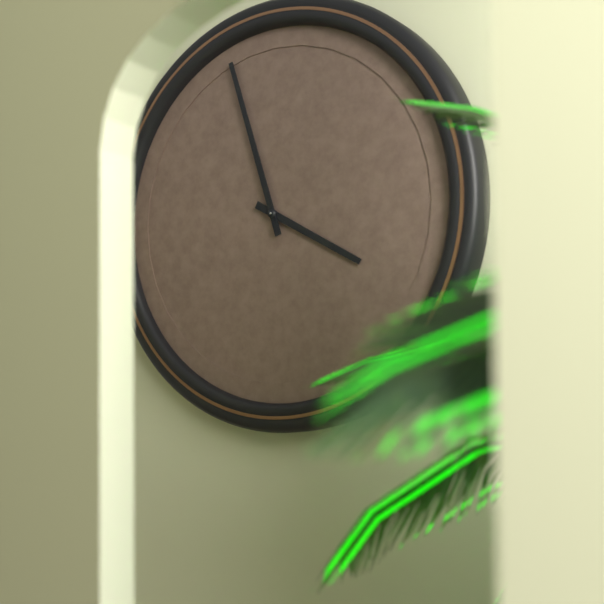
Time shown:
{"hour": 3, "minute": 57}
